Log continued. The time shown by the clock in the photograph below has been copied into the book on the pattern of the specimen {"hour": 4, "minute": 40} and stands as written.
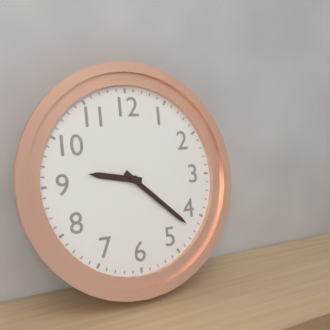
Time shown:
{"hour": 9, "minute": 22}
